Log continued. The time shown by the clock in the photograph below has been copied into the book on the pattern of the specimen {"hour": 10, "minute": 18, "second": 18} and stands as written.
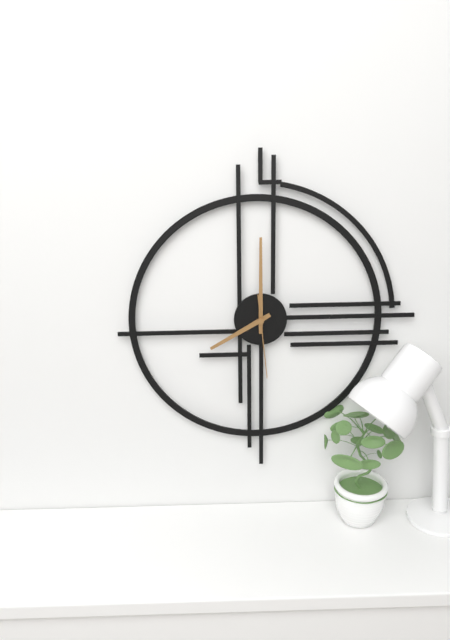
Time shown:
{"hour": 8, "minute": 0, "second": 29}
